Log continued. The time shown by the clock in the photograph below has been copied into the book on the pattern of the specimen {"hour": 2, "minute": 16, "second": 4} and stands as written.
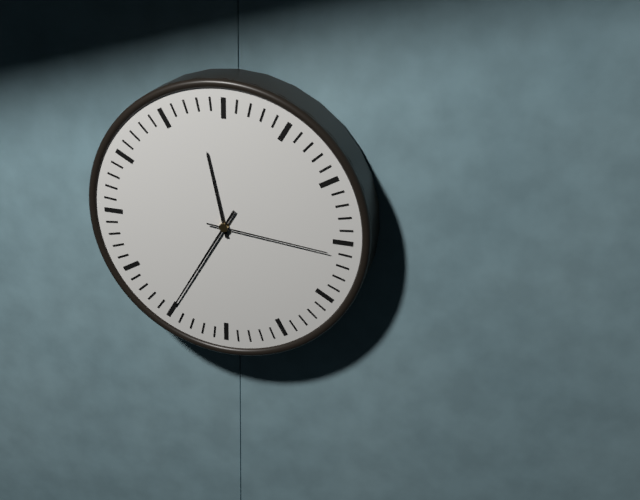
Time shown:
{"hour": 11, "minute": 35, "second": 16}
